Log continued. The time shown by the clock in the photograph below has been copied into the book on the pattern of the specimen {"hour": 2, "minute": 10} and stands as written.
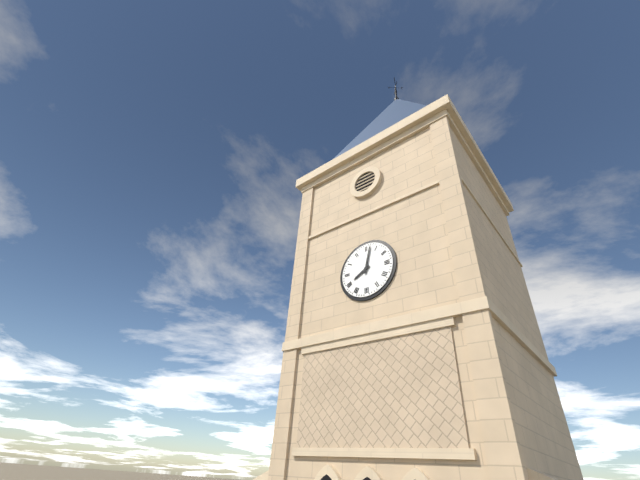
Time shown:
{"hour": 8, "minute": 2}
